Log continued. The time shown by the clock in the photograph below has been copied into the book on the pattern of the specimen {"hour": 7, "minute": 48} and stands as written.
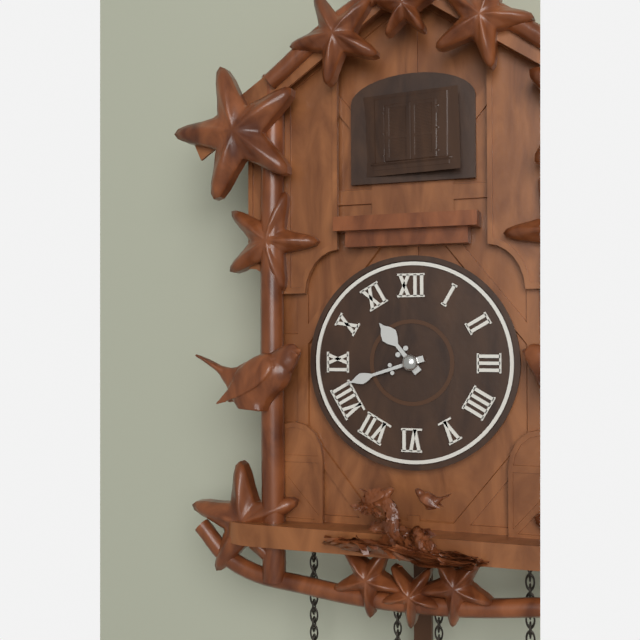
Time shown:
{"hour": 10, "minute": 42}
